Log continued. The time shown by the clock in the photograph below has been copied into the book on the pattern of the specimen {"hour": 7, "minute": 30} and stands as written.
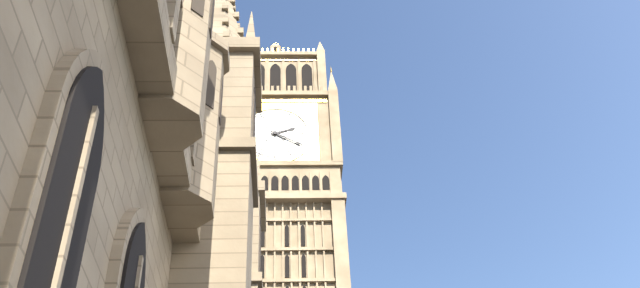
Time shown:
{"hour": 2, "minute": 20}
